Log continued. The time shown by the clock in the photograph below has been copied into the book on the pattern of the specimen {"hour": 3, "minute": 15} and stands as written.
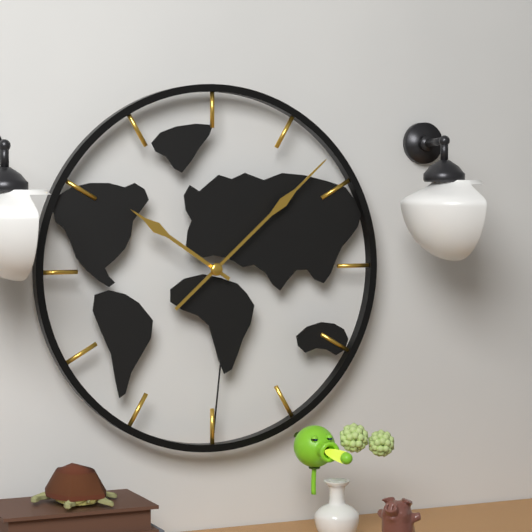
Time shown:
{"hour": 10, "minute": 8}
